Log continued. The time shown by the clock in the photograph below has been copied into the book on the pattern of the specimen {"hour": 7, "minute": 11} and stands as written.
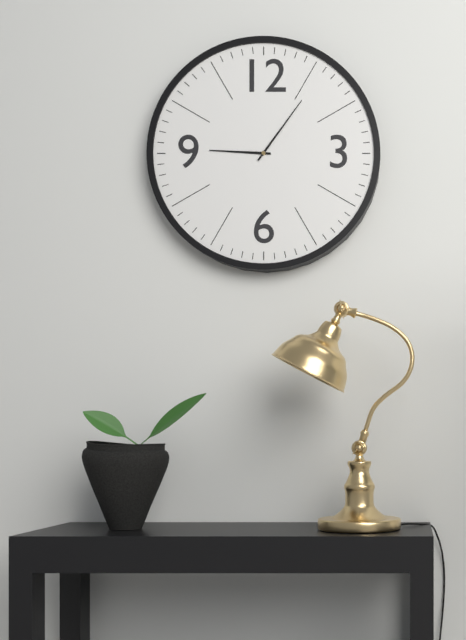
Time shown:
{"hour": 9, "minute": 6}
